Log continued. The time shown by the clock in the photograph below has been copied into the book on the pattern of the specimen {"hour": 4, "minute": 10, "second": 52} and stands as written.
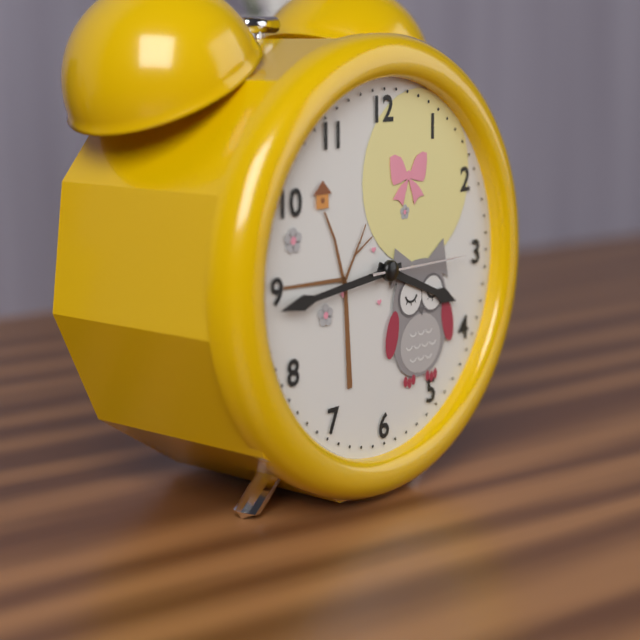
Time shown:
{"hour": 3, "minute": 44, "second": 15}
